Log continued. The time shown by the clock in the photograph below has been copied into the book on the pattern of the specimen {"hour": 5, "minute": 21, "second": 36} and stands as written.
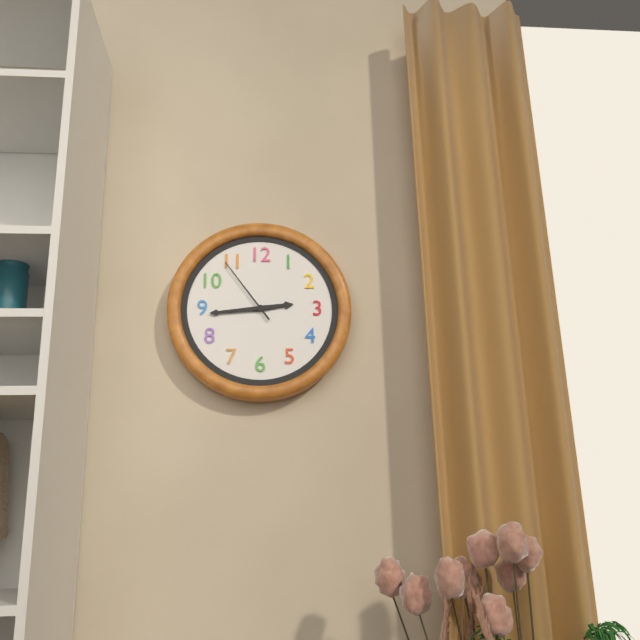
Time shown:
{"hour": 2, "minute": 44, "second": 54}
